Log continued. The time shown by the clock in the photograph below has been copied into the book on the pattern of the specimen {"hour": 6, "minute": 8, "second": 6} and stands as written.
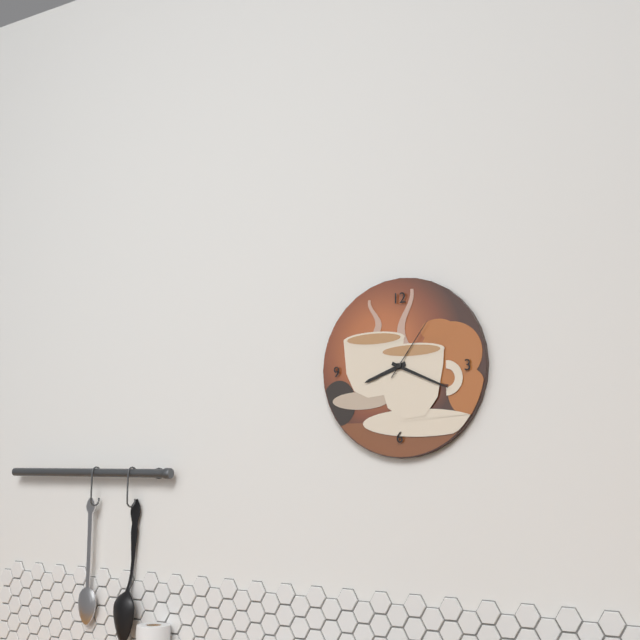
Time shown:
{"hour": 8, "minute": 19, "second": 6}
